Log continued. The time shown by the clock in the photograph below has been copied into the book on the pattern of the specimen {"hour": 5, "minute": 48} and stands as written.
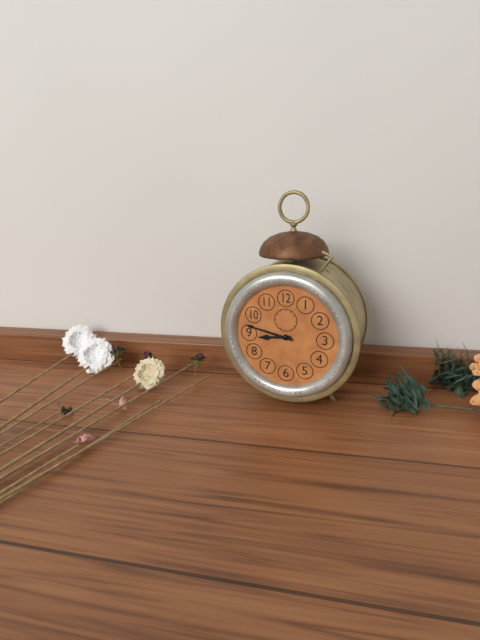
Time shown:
{"hour": 8, "minute": 47}
